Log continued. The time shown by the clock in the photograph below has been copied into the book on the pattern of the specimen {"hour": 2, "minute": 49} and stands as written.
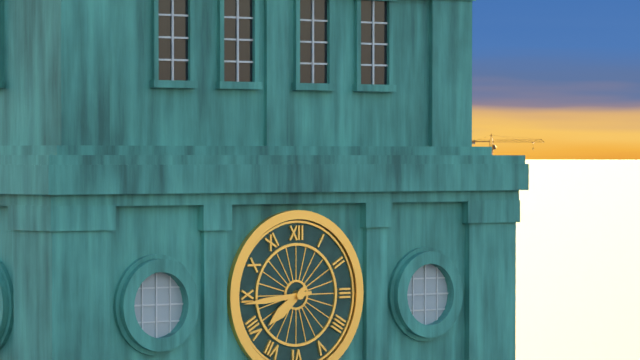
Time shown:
{"hour": 7, "minute": 44}
